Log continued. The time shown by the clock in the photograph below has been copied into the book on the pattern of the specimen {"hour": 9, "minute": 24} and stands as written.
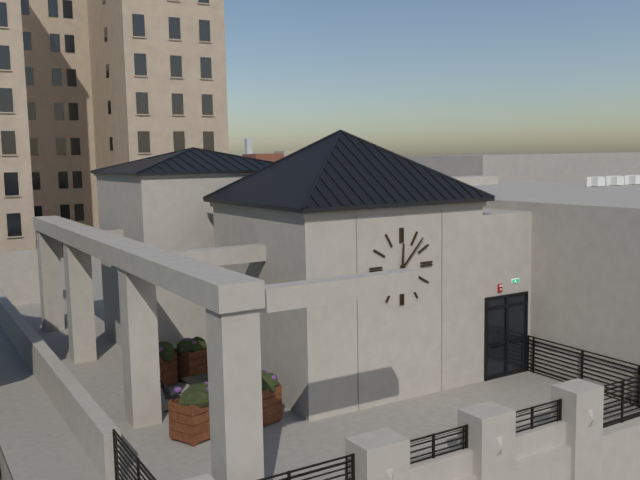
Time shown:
{"hour": 12, "minute": 7}
